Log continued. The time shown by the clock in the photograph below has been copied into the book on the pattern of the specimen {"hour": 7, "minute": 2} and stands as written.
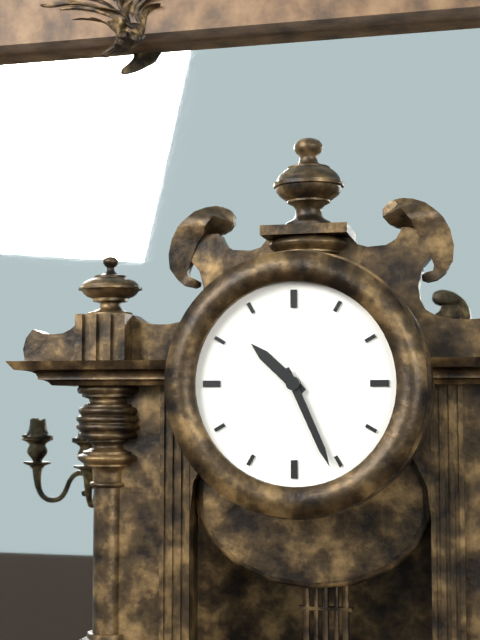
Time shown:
{"hour": 10, "minute": 26}
